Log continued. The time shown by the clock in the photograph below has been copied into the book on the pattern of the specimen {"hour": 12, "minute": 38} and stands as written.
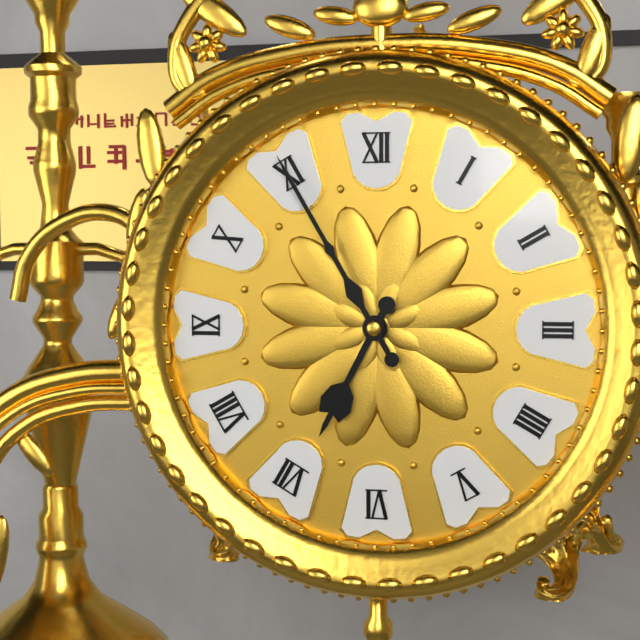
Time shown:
{"hour": 6, "minute": 55}
